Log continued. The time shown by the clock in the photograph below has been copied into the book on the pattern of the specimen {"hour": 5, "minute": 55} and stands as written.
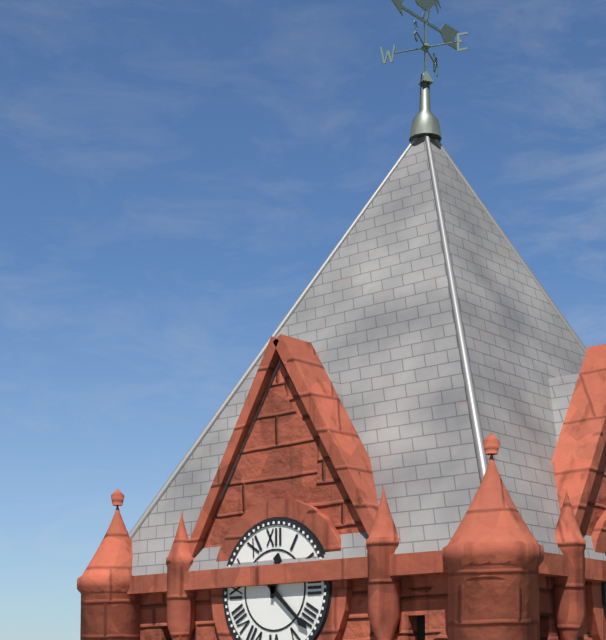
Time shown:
{"hour": 12, "minute": 22}
